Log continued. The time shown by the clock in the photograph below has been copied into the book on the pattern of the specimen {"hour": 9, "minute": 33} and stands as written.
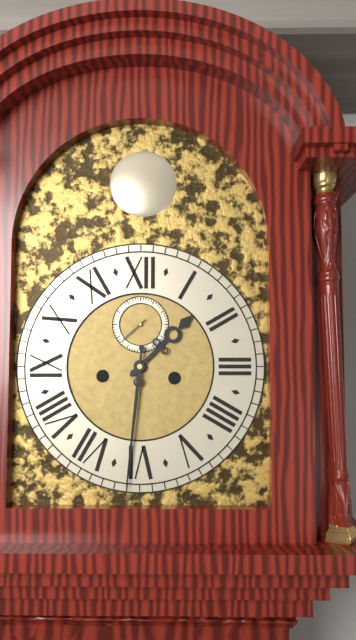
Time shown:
{"hour": 1, "minute": 31}
